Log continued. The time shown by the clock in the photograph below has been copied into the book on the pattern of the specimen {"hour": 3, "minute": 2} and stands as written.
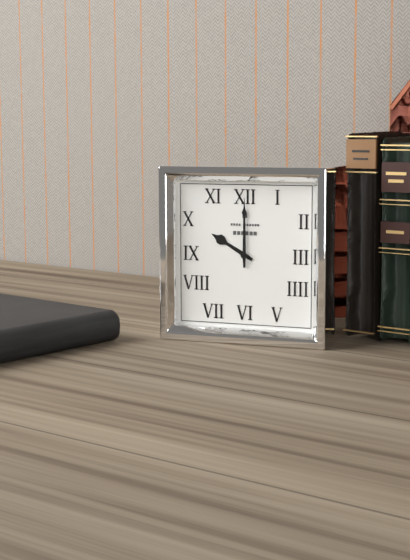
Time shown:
{"hour": 10, "minute": 0}
